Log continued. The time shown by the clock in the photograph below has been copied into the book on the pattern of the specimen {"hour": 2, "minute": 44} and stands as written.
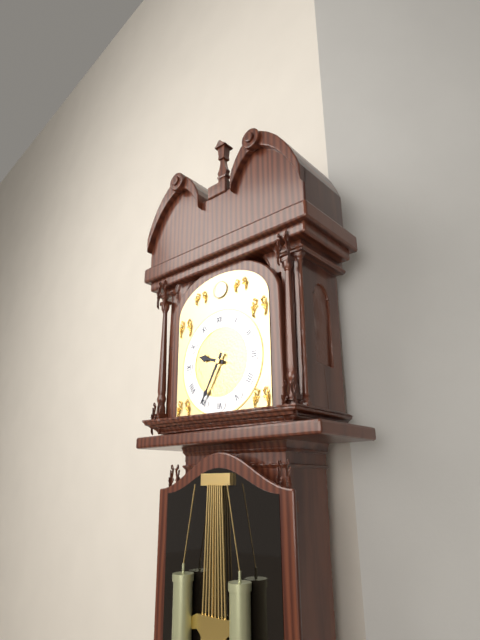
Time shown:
{"hour": 9, "minute": 35}
